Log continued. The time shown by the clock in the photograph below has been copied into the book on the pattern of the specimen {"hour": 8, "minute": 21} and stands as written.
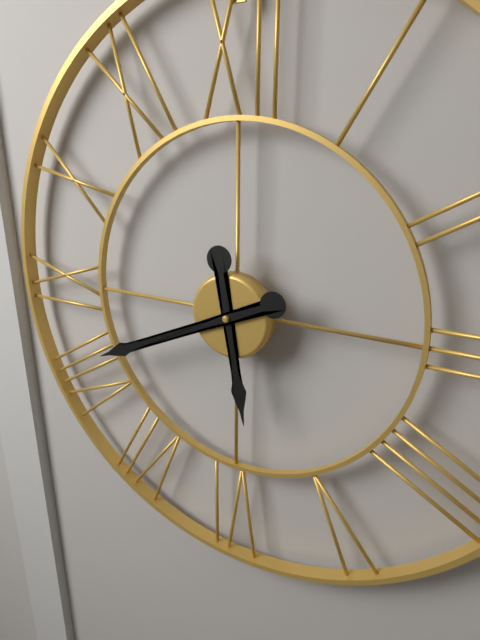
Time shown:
{"hour": 5, "minute": 41}
